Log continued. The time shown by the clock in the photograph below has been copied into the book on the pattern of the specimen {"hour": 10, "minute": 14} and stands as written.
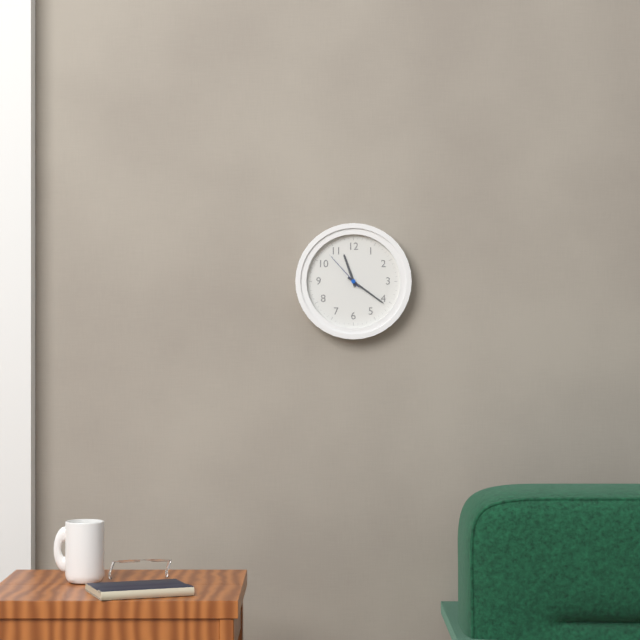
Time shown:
{"hour": 11, "minute": 21}
